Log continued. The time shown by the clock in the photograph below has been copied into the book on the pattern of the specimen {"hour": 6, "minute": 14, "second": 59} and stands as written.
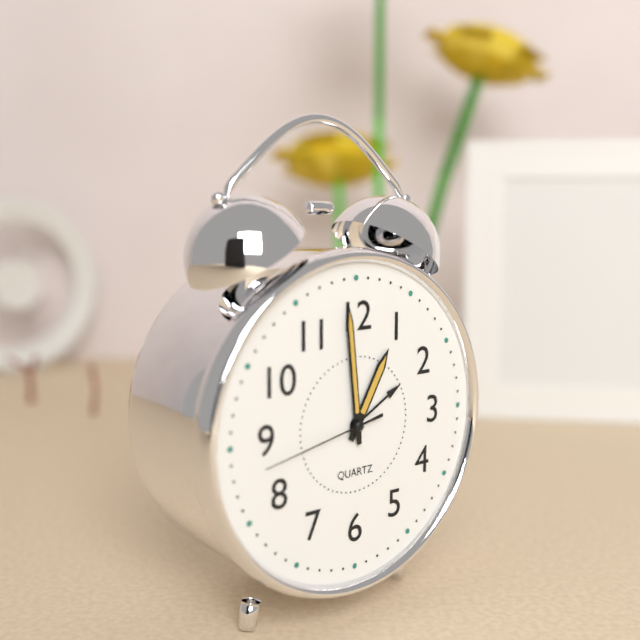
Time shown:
{"hour": 12, "minute": 59, "second": 43}
